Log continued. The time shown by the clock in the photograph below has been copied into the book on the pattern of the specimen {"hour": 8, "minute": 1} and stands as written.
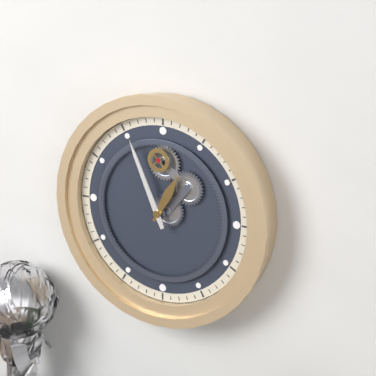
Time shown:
{"hour": 12, "minute": 56}
